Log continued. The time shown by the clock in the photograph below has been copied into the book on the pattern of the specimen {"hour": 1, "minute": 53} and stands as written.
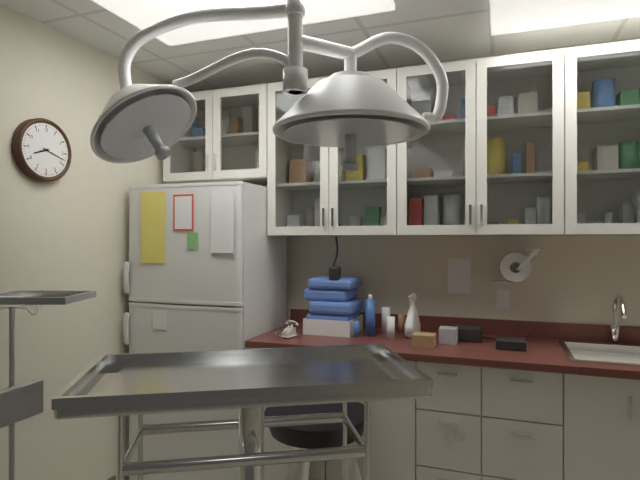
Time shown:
{"hour": 8, "minute": 18}
